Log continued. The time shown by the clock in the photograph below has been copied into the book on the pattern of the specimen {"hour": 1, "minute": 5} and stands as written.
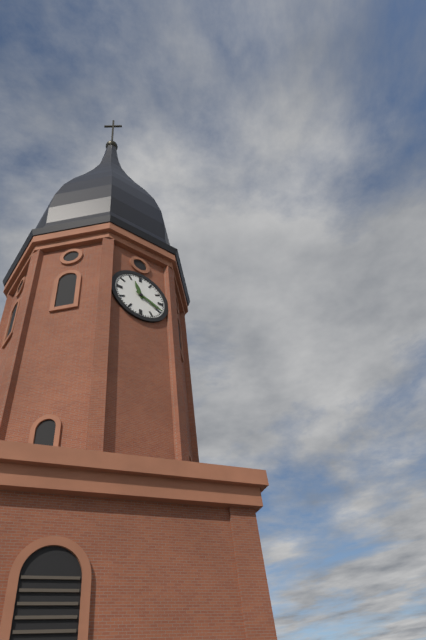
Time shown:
{"hour": 11, "minute": 19}
